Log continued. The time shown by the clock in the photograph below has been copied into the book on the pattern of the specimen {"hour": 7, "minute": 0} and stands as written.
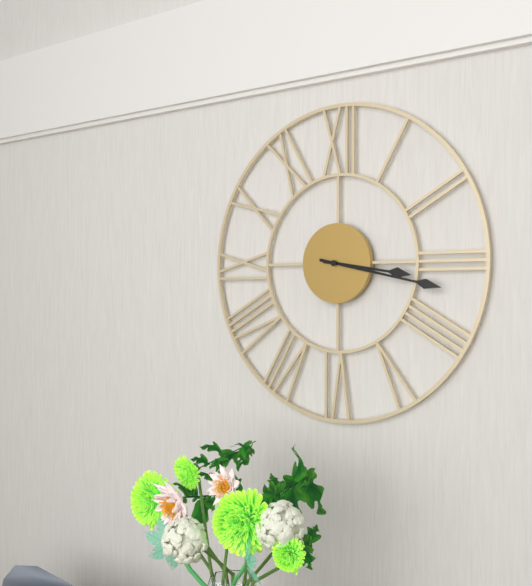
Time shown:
{"hour": 3, "minute": 17}
